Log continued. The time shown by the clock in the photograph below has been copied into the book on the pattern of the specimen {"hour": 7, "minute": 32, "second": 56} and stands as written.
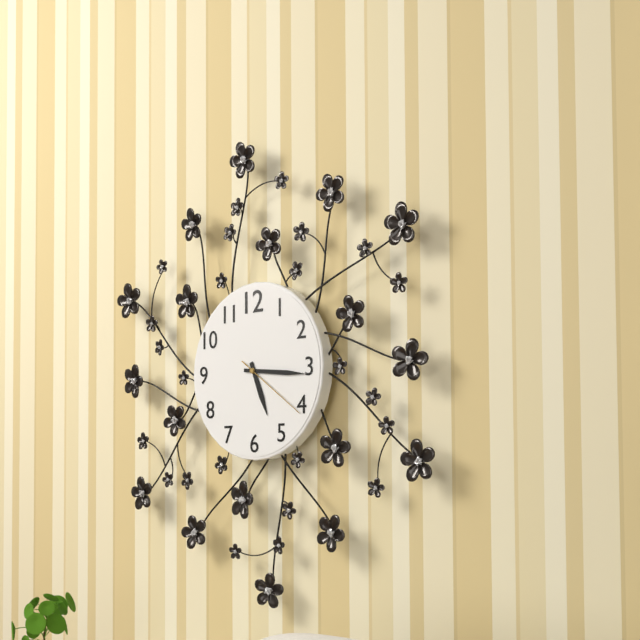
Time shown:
{"hour": 5, "minute": 16, "second": 21}
